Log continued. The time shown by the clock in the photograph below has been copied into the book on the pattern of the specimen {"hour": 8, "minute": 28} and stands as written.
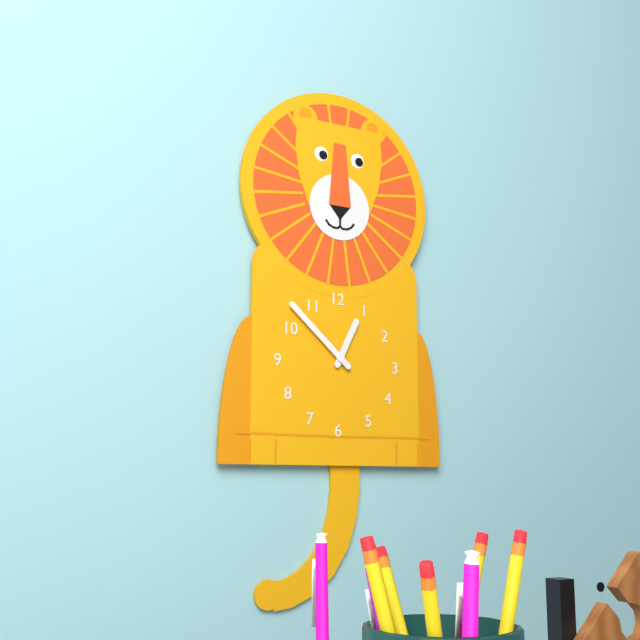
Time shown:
{"hour": 12, "minute": 52}
